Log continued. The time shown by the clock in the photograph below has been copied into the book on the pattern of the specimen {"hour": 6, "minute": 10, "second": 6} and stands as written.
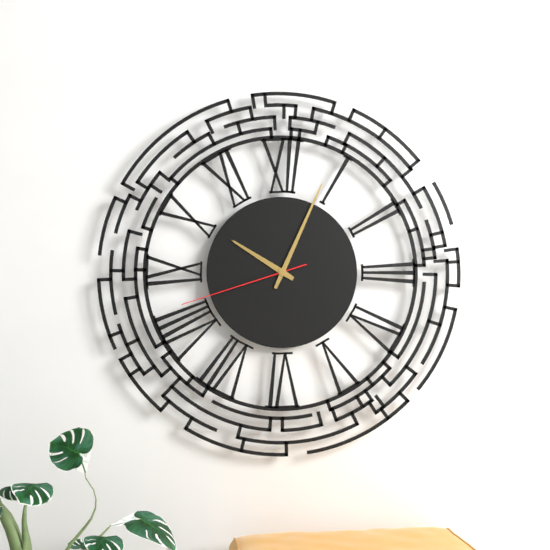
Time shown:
{"hour": 10, "minute": 4, "second": 42}
